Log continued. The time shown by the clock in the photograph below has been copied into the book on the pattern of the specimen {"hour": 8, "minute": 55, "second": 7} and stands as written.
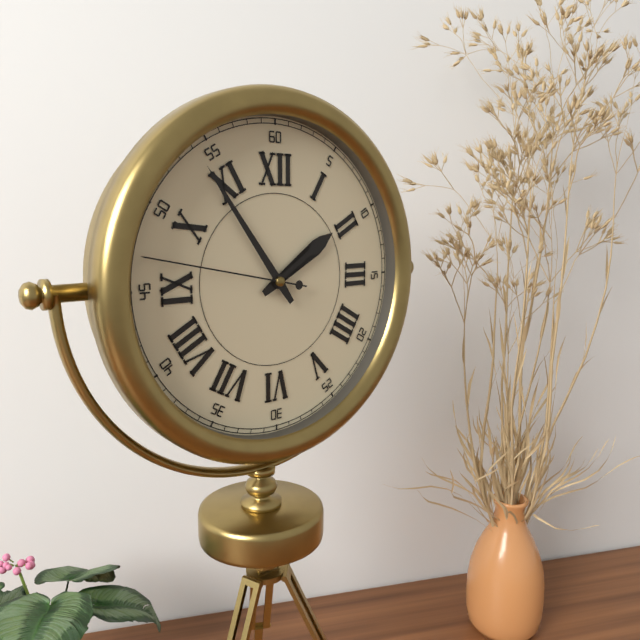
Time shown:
{"hour": 1, "minute": 54, "second": 47}
